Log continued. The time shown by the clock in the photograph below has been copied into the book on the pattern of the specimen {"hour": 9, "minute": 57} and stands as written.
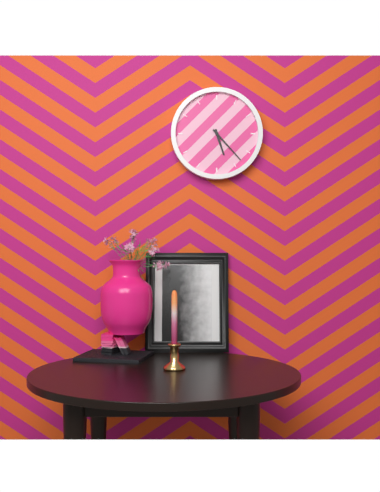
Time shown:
{"hour": 5, "minute": 23}
